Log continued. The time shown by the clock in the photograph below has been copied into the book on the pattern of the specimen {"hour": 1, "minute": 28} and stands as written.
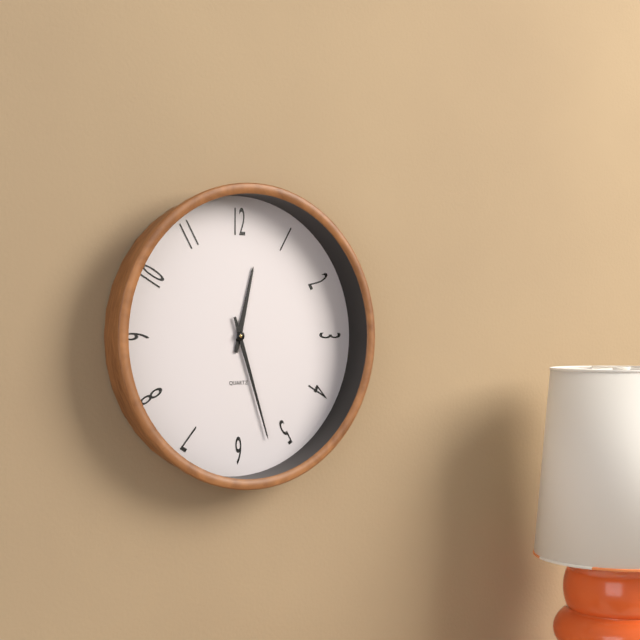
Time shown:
{"hour": 12, "minute": 27}
